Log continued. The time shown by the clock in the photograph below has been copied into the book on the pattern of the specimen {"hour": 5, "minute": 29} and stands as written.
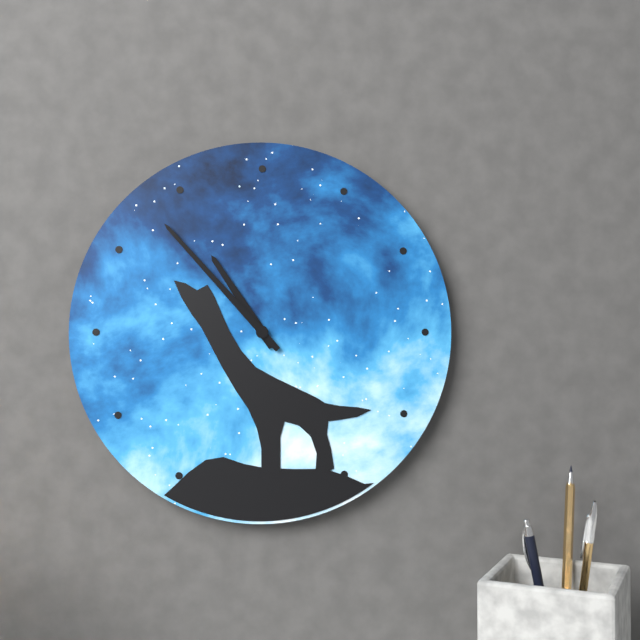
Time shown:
{"hour": 10, "minute": 53}
